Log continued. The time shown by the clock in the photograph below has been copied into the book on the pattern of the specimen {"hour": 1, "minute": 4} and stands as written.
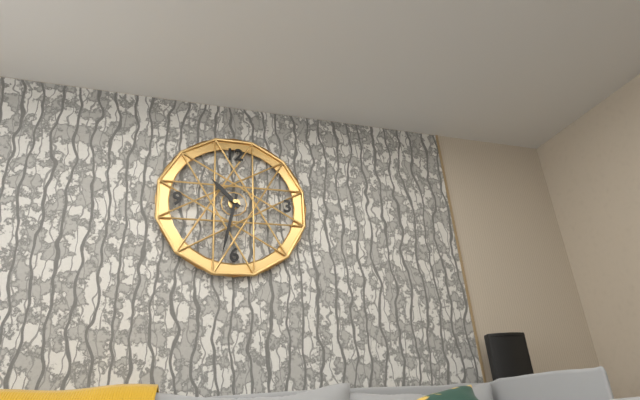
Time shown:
{"hour": 10, "minute": 32}
